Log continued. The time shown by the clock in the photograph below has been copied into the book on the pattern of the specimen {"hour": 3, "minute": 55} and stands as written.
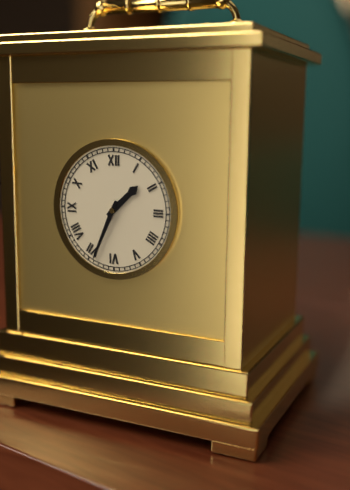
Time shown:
{"hour": 1, "minute": 34}
